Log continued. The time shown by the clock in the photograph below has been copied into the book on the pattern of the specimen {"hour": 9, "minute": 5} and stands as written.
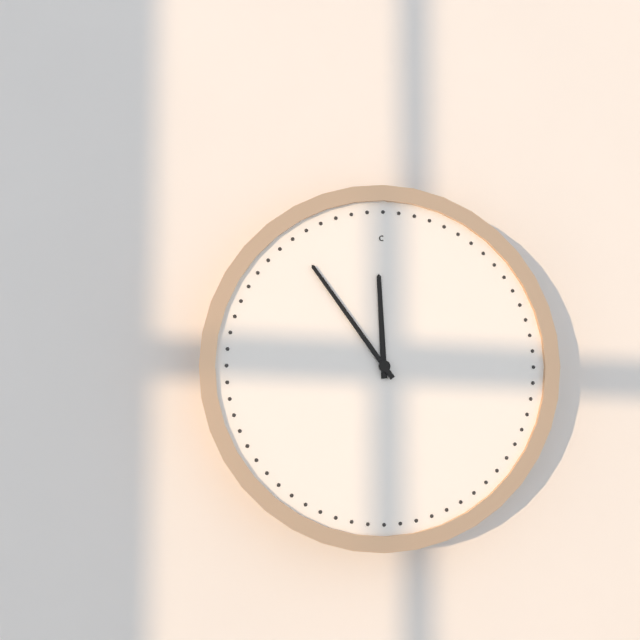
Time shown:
{"hour": 11, "minute": 54}
